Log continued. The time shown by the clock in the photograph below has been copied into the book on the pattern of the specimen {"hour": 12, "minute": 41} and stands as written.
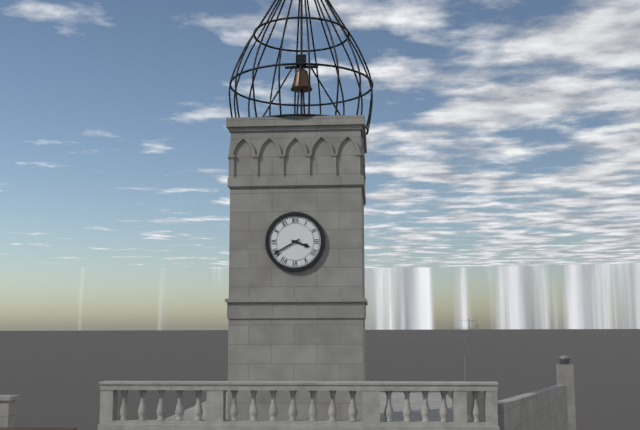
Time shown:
{"hour": 3, "minute": 40}
